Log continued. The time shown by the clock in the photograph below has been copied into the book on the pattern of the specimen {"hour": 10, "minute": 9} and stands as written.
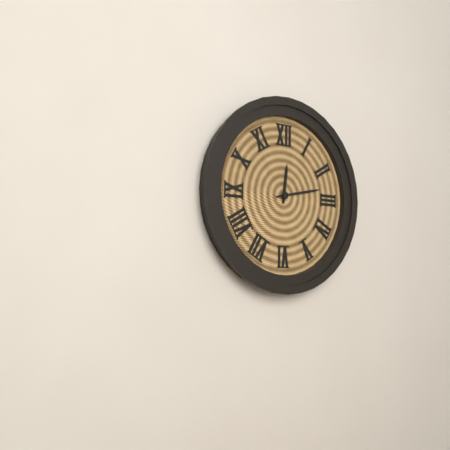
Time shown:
{"hour": 12, "minute": 13}
